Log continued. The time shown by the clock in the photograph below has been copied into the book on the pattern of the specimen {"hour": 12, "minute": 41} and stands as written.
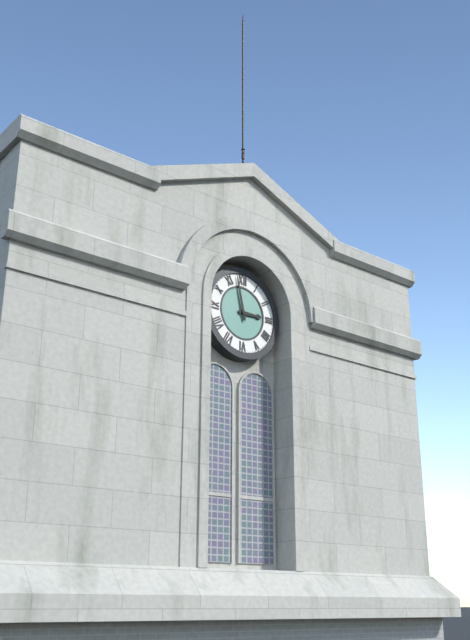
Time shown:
{"hour": 2, "minute": 58}
